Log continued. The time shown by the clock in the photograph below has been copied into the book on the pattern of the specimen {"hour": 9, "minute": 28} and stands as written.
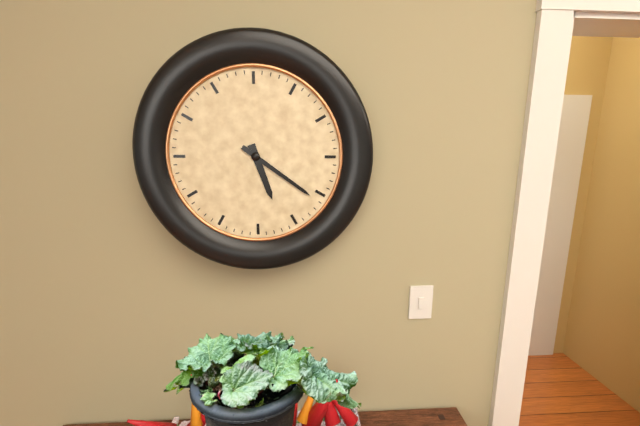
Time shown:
{"hour": 5, "minute": 21}
